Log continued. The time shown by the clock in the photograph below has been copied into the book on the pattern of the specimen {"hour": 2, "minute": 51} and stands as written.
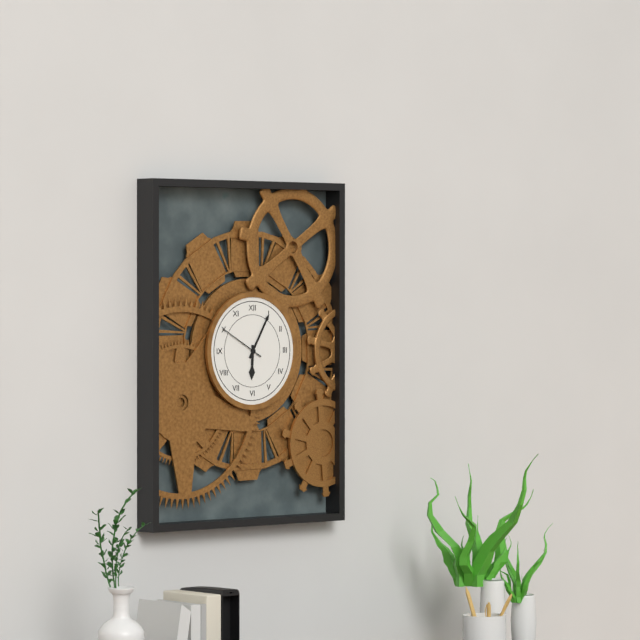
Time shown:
{"hour": 6, "minute": 5}
